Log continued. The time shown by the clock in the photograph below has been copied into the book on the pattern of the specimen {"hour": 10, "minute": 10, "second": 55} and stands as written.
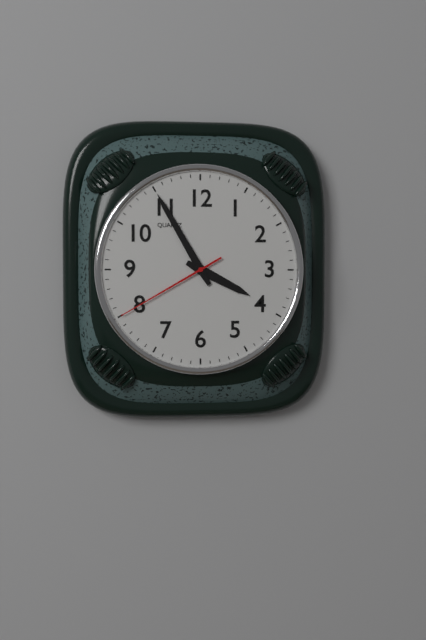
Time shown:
{"hour": 3, "minute": 55, "second": 40}
